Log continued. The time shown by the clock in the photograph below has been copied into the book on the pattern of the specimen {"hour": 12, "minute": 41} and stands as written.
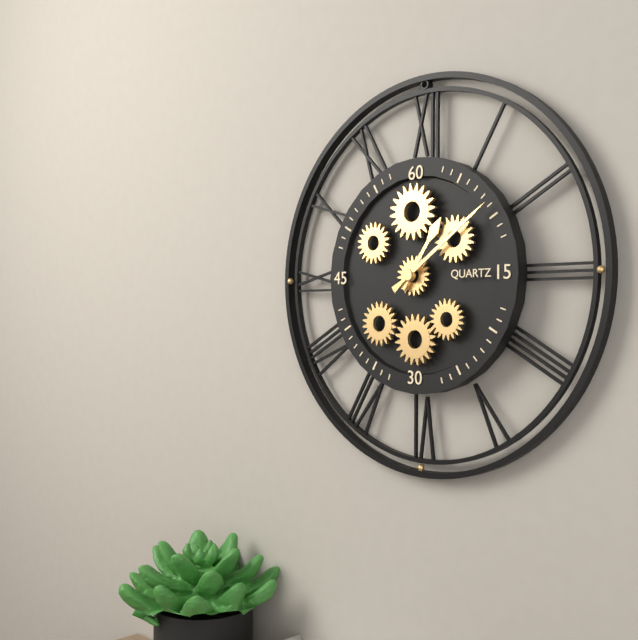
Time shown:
{"hour": 1, "minute": 9}
